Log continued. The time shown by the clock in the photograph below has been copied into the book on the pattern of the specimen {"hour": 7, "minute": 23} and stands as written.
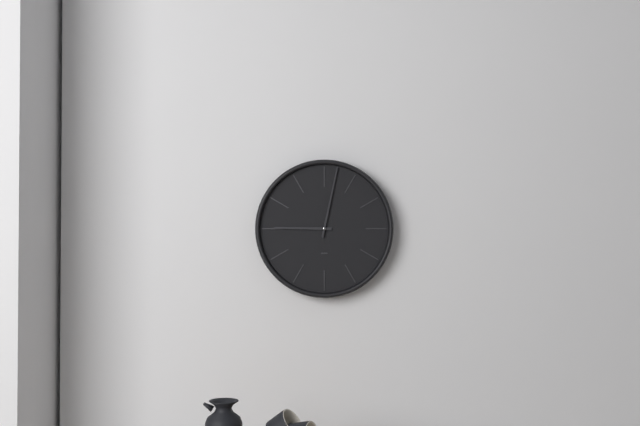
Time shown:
{"hour": 9, "minute": 2}
